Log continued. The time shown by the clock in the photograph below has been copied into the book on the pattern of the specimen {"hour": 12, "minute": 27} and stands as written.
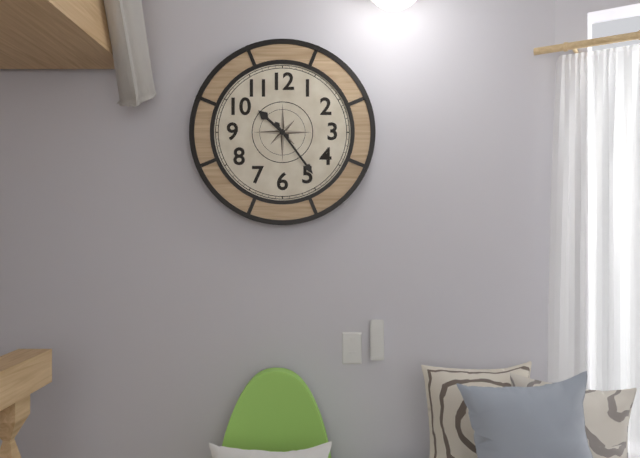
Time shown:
{"hour": 10, "minute": 24}
